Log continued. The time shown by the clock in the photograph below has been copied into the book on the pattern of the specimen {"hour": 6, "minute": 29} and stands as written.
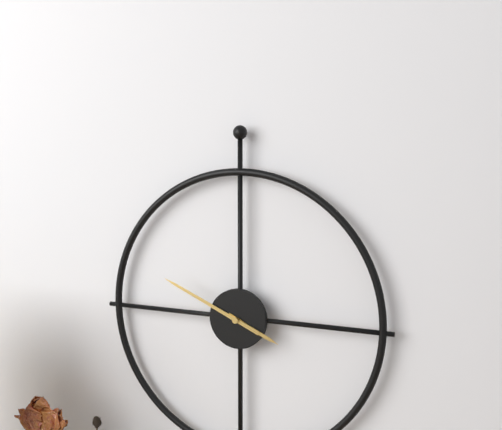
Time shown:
{"hour": 3, "minute": 49}
